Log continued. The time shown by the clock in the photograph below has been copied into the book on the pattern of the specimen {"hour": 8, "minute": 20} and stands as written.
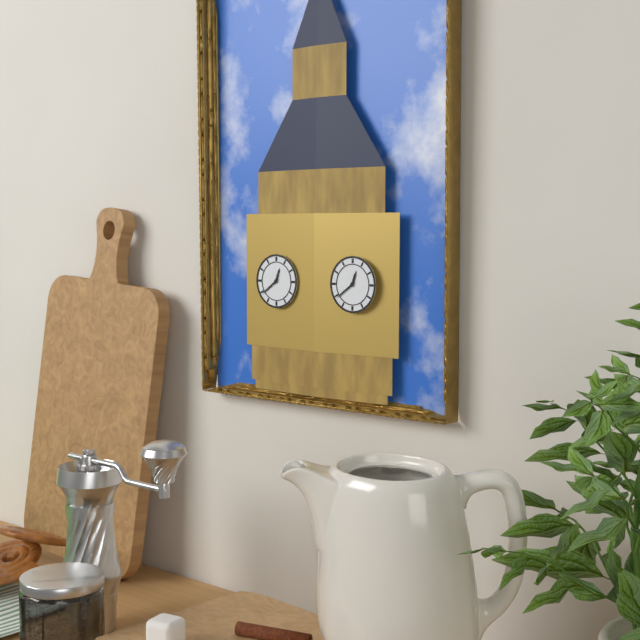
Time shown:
{"hour": 12, "minute": 39}
